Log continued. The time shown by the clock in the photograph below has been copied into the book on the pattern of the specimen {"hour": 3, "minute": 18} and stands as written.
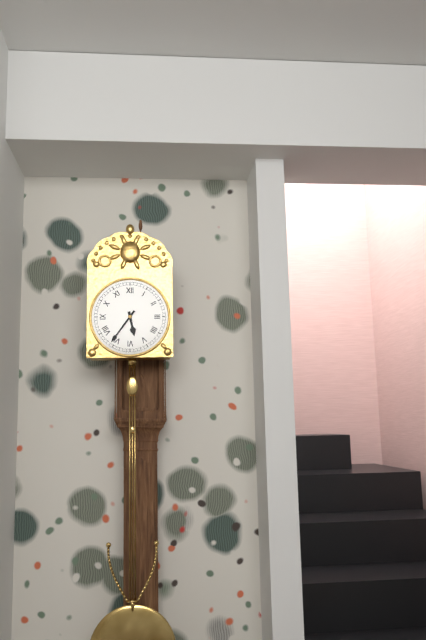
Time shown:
{"hour": 5, "minute": 36}
